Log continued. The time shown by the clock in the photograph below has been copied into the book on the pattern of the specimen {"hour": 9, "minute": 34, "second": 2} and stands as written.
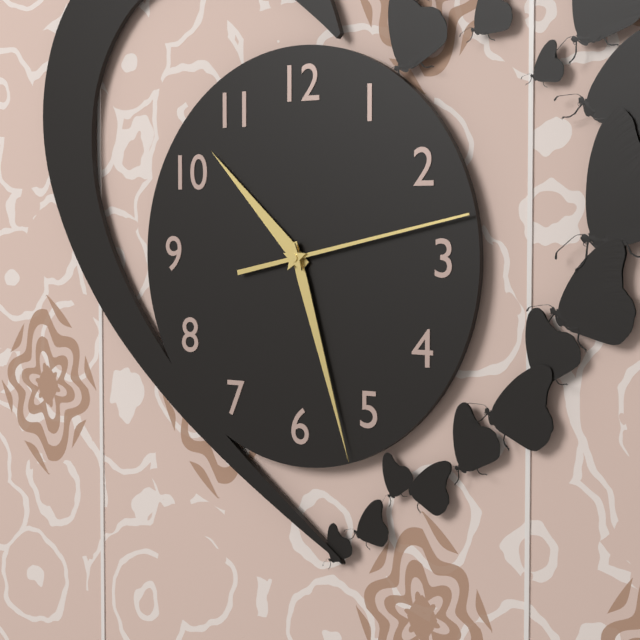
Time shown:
{"hour": 10, "minute": 27, "second": 13}
